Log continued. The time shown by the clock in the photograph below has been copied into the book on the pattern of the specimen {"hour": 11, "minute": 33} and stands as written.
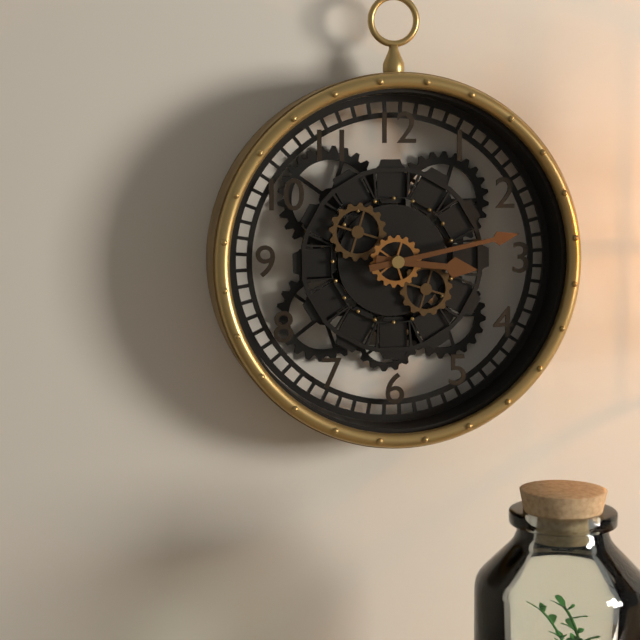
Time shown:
{"hour": 3, "minute": 13}
